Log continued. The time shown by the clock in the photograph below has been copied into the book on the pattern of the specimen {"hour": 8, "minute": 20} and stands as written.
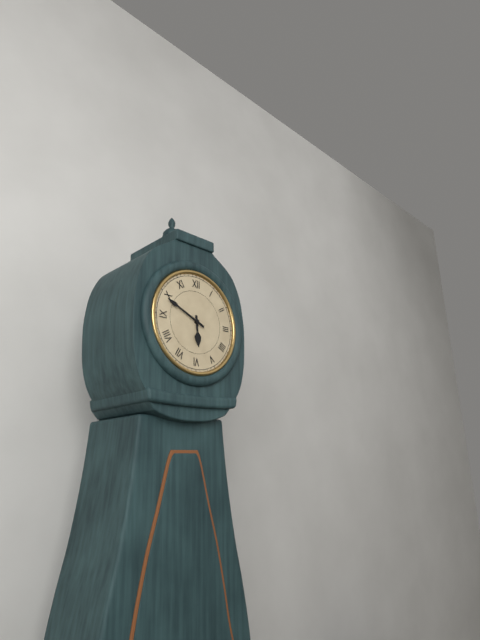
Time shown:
{"hour": 5, "minute": 49}
